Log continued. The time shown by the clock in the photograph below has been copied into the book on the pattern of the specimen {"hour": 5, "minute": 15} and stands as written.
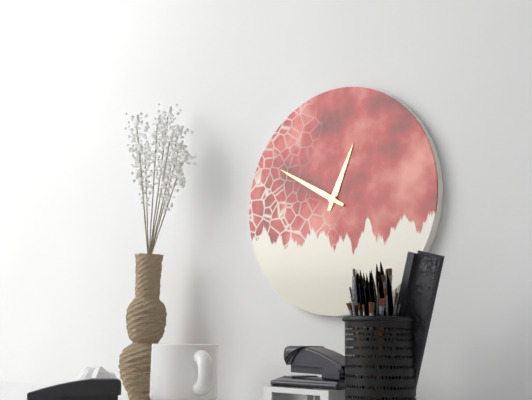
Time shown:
{"hour": 12, "minute": 50}
